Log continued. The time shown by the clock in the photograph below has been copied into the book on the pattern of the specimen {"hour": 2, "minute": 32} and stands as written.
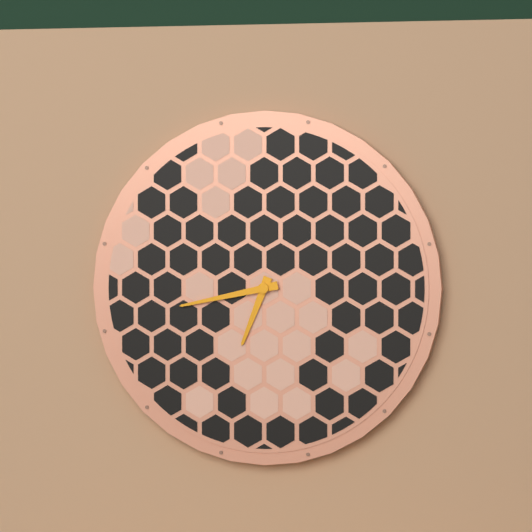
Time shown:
{"hour": 6, "minute": 43}
